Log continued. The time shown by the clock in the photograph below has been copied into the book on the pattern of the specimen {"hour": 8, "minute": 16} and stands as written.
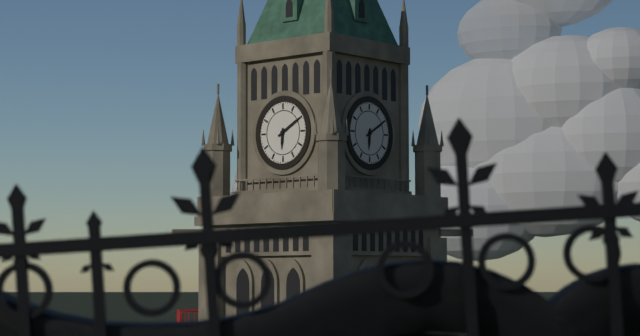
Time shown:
{"hour": 6, "minute": 10}
